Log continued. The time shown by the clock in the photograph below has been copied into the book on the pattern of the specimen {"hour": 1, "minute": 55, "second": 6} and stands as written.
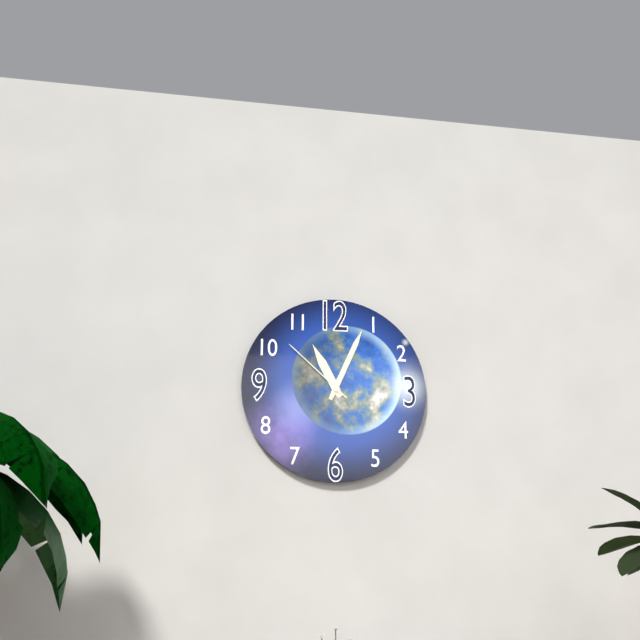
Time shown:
{"hour": 11, "minute": 4, "second": 52}
